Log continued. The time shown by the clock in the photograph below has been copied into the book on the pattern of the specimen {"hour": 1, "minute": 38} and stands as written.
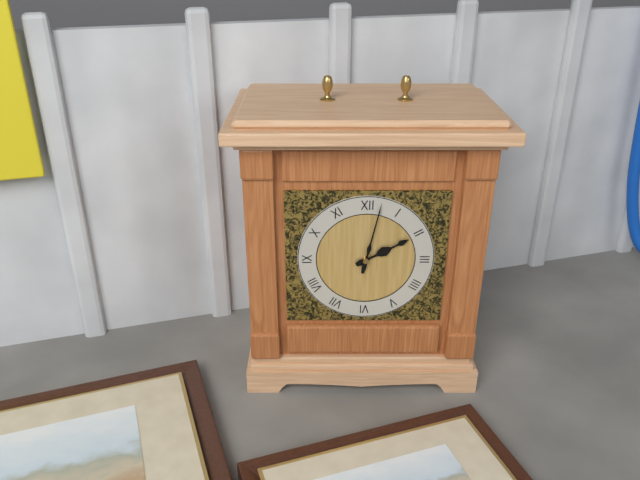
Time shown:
{"hour": 2, "minute": 2}
